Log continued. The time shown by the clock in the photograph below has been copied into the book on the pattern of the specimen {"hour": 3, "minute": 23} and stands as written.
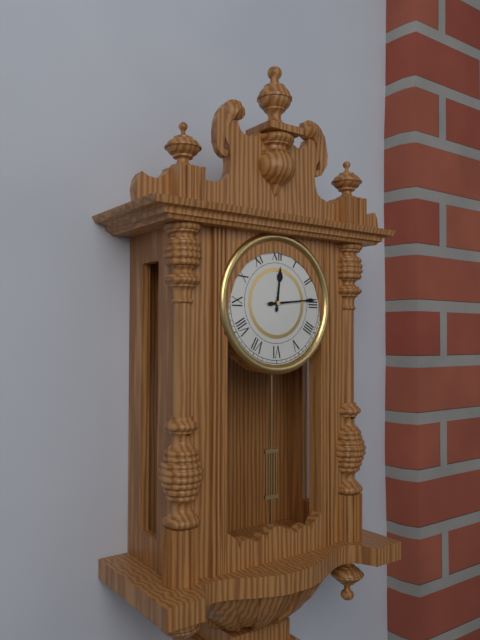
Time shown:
{"hour": 12, "minute": 14}
